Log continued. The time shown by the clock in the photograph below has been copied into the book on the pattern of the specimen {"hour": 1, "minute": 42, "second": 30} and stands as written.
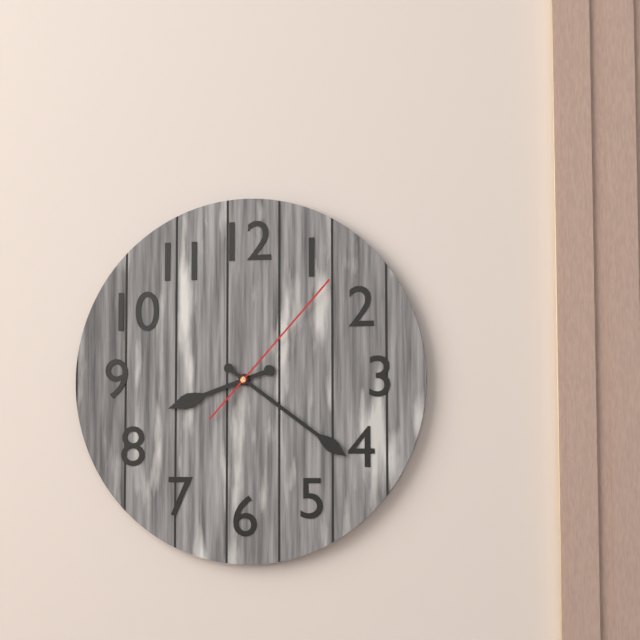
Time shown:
{"hour": 8, "minute": 21, "second": 7}
